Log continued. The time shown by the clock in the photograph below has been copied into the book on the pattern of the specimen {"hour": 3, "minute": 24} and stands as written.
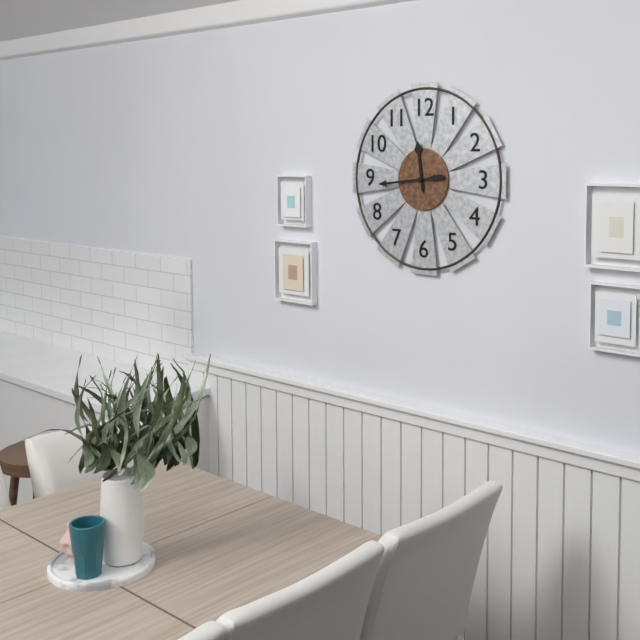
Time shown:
{"hour": 11, "minute": 44}
